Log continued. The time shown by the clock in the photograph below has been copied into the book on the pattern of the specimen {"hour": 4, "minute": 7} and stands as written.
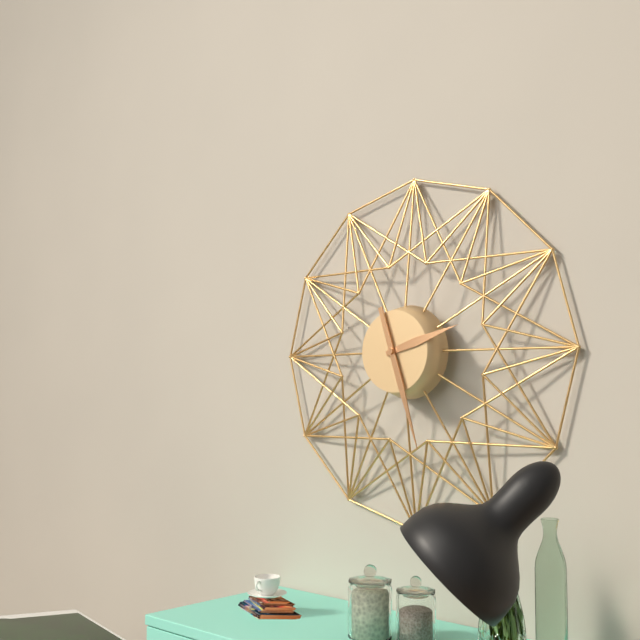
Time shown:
{"hour": 2, "minute": 27}
